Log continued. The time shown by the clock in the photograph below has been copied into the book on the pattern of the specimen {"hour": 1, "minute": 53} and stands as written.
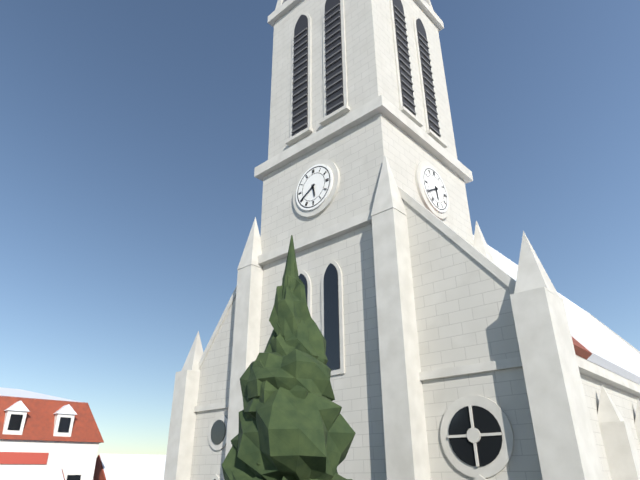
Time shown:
{"hour": 5, "minute": 40}
